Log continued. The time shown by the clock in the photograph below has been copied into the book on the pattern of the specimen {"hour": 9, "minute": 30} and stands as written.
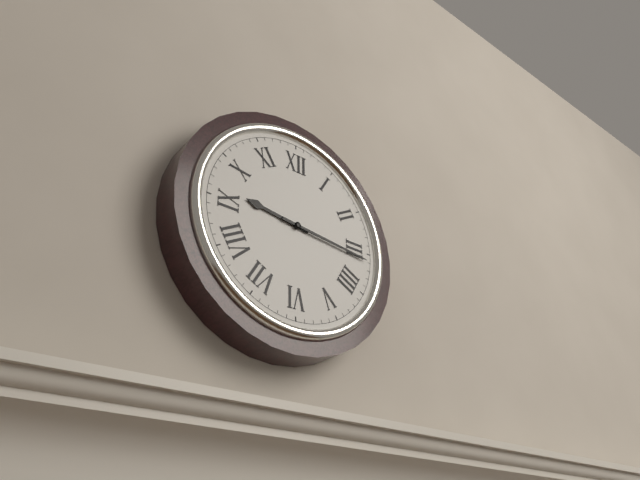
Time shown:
{"hour": 9, "minute": 16}
